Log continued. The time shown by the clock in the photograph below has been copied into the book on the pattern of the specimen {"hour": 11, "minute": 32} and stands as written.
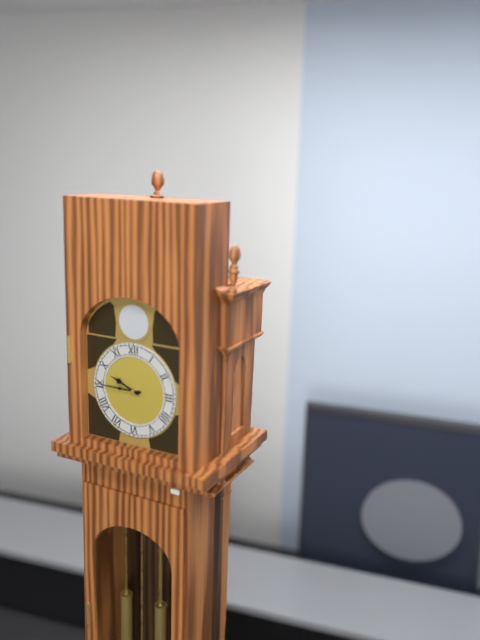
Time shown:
{"hour": 9, "minute": 45}
